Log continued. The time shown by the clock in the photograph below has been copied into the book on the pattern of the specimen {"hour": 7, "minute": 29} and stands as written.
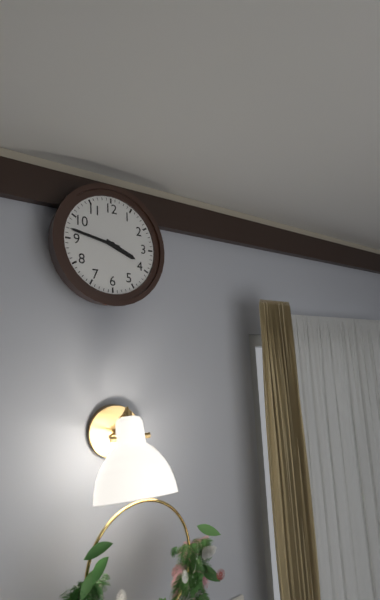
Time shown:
{"hour": 3, "minute": 47}
